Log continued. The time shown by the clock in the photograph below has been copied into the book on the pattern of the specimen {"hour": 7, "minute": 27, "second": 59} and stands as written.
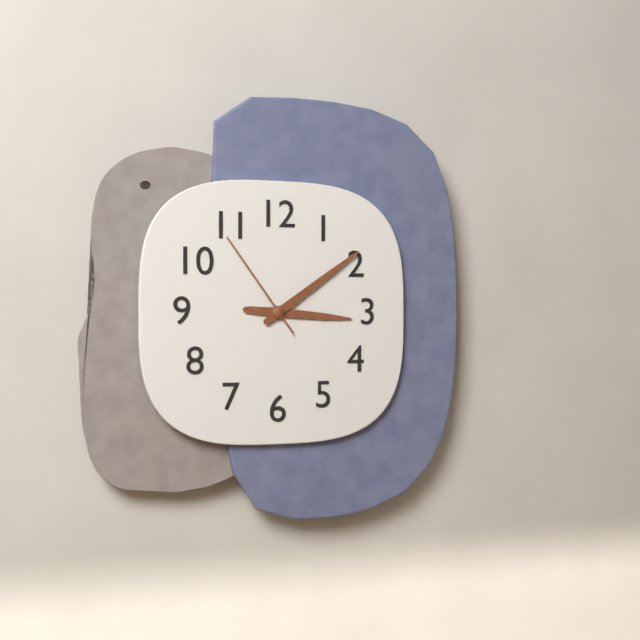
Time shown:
{"hour": 3, "minute": 9, "second": 54}
